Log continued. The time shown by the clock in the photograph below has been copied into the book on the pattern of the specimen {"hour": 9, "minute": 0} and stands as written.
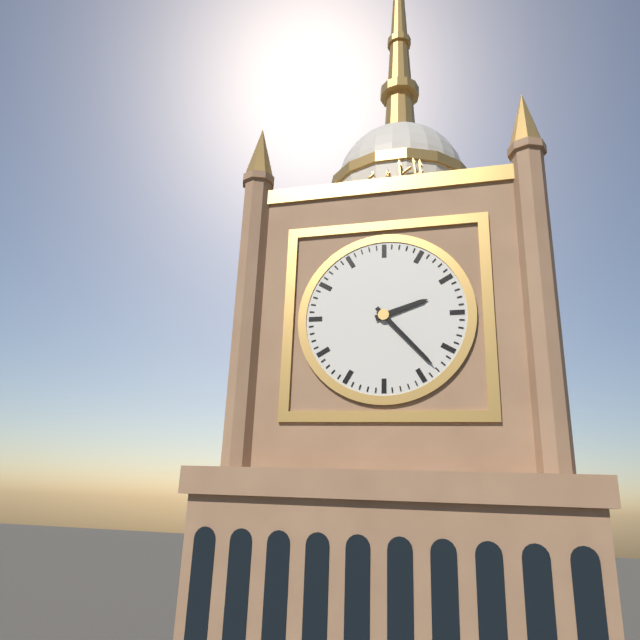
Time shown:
{"hour": 2, "minute": 23}
